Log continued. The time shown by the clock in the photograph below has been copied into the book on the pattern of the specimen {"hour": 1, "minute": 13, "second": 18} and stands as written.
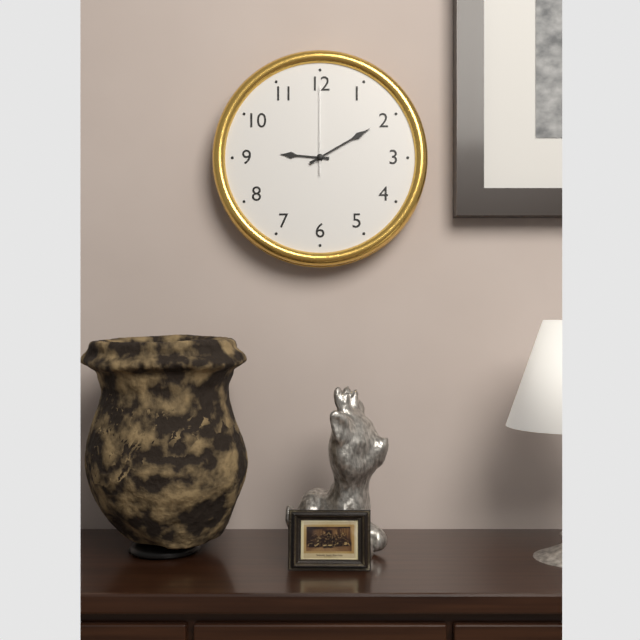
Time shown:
{"hour": 9, "minute": 10, "second": 0}
